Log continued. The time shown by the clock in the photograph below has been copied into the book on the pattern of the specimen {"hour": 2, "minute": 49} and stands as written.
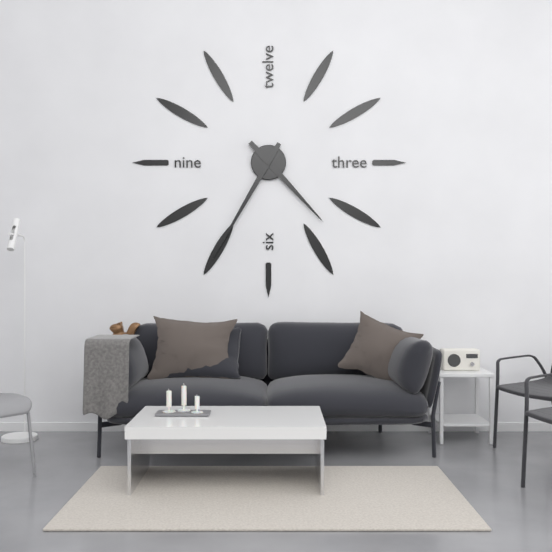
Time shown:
{"hour": 4, "minute": 35}
